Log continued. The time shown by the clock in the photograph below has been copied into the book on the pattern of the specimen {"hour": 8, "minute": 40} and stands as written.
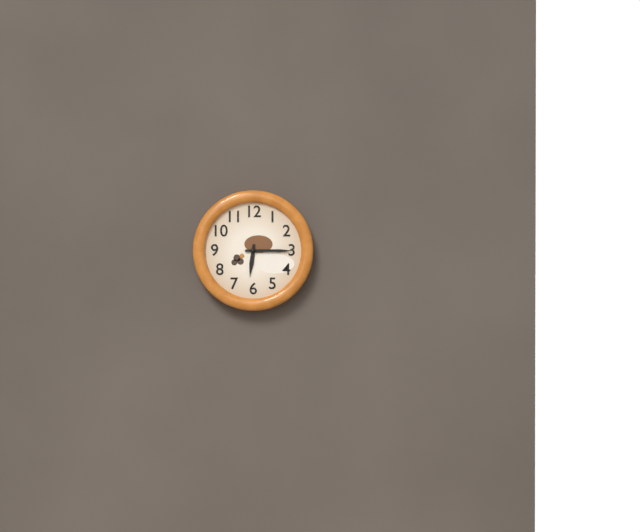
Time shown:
{"hour": 6, "minute": 15}
